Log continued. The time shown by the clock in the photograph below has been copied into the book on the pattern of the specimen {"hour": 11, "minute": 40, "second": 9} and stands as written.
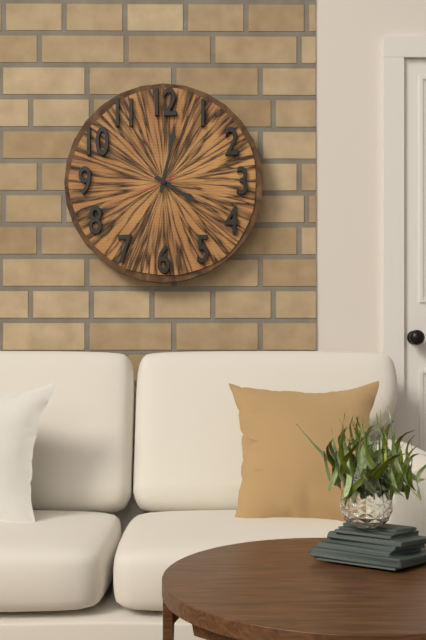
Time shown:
{"hour": 4, "minute": 2, "second": 41}
